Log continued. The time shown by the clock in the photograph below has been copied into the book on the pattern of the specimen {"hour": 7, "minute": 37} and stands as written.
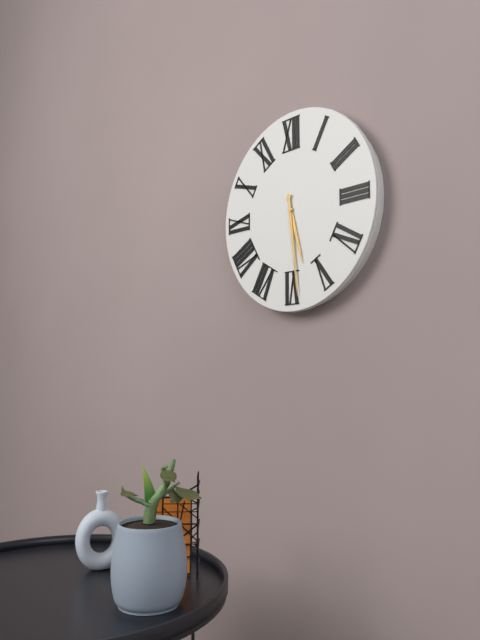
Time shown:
{"hour": 5, "minute": 29}
